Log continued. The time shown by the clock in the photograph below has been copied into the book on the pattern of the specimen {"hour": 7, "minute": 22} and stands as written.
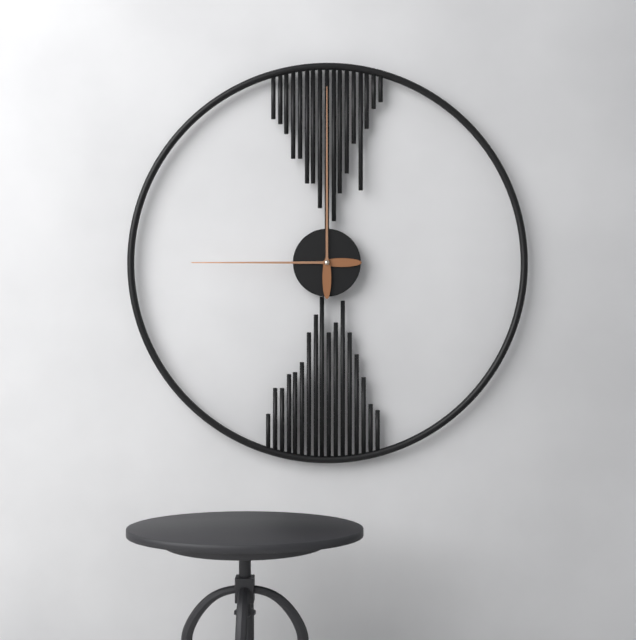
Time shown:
{"hour": 9, "minute": 0}
